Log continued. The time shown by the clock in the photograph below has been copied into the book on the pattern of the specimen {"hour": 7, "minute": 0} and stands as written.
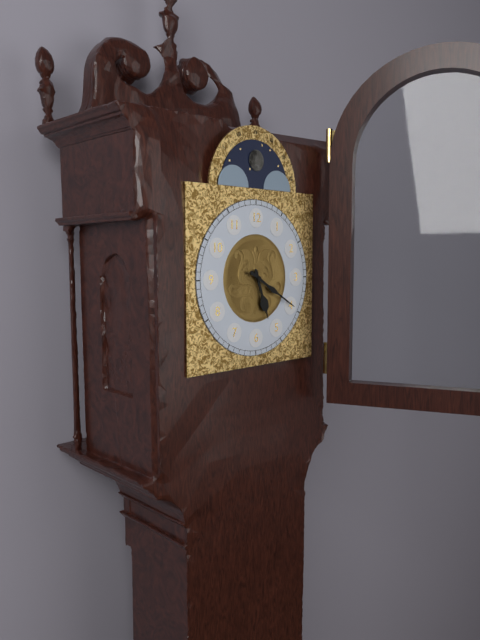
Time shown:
{"hour": 5, "minute": 20}
